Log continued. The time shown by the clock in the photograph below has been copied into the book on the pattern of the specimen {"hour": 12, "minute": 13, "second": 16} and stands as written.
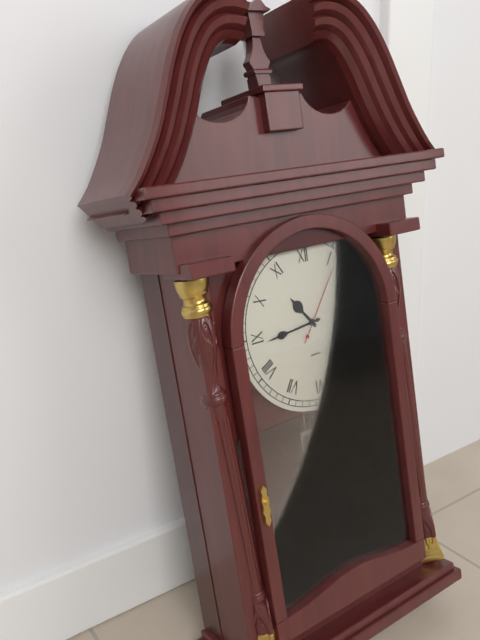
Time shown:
{"hour": 10, "minute": 44, "second": 6}
